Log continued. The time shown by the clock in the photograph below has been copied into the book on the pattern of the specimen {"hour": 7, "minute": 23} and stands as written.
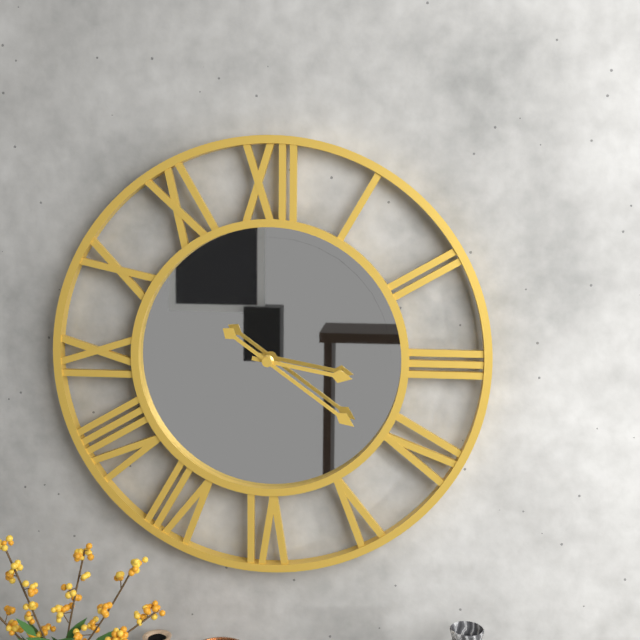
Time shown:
{"hour": 3, "minute": 21}
